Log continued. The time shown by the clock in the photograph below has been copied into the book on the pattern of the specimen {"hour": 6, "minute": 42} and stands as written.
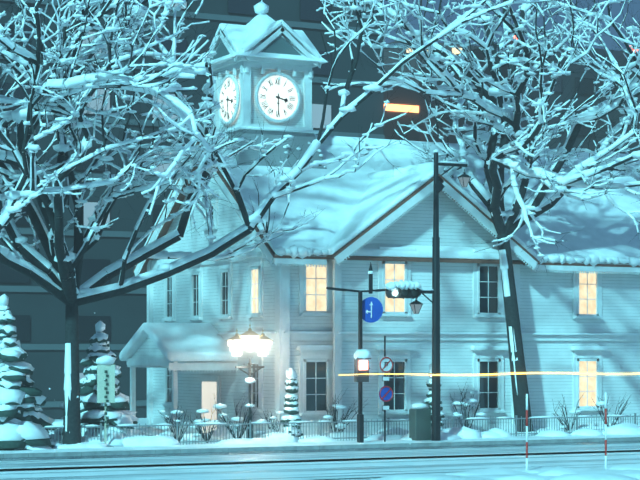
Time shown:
{"hour": 3, "minute": 30}
